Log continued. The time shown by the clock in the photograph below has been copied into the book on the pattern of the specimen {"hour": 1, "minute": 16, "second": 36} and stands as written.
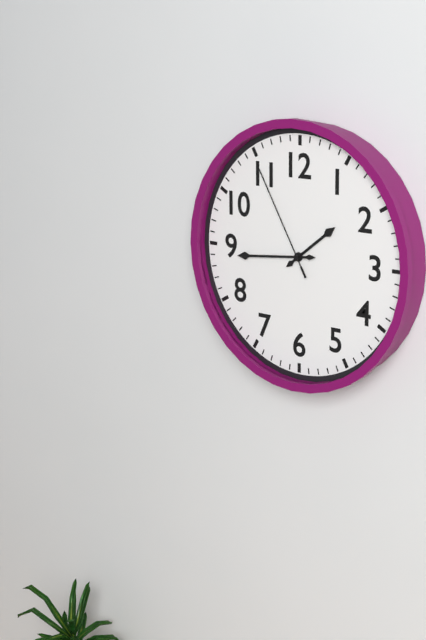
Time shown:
{"hour": 1, "minute": 44, "second": 55}
